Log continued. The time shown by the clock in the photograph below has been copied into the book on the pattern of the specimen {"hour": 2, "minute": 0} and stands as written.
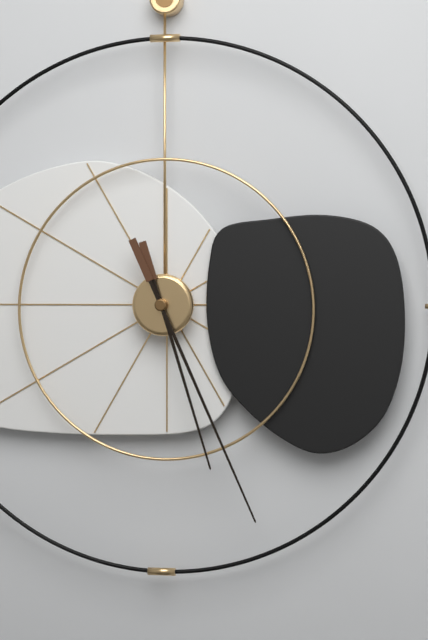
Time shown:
{"hour": 5, "minute": 26}
